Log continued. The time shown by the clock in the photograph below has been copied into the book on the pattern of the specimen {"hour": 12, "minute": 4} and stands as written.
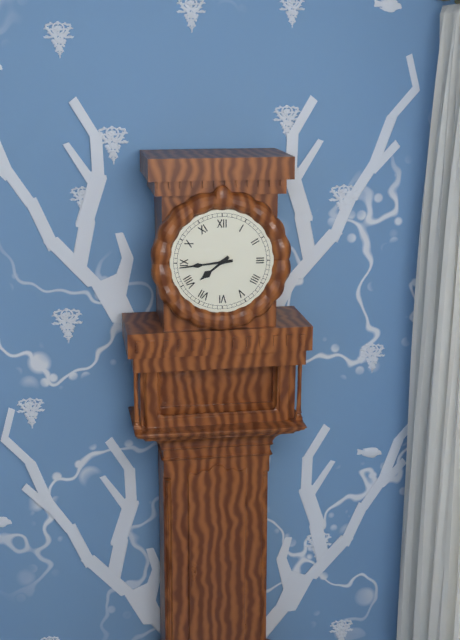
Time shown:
{"hour": 7, "minute": 44}
